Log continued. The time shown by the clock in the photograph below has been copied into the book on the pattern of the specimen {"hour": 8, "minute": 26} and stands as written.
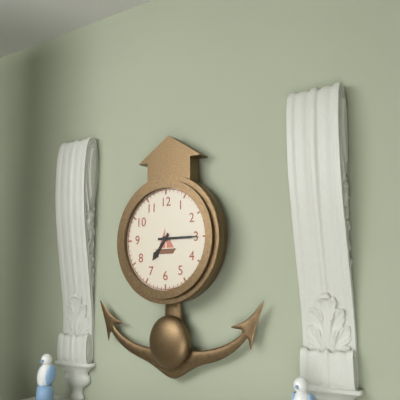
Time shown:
{"hour": 7, "minute": 15}
